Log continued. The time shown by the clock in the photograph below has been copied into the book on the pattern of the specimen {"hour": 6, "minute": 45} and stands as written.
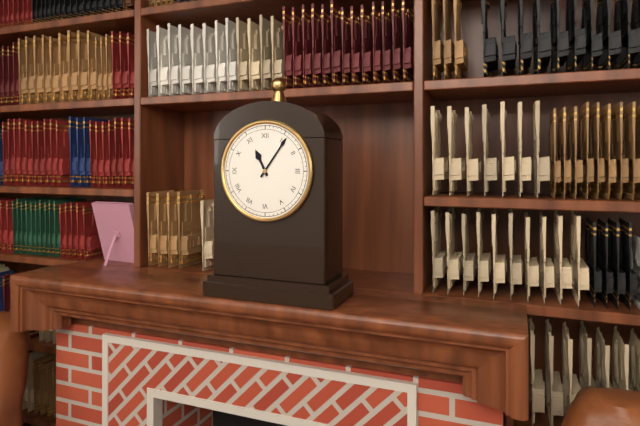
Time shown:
{"hour": 11, "minute": 6}
